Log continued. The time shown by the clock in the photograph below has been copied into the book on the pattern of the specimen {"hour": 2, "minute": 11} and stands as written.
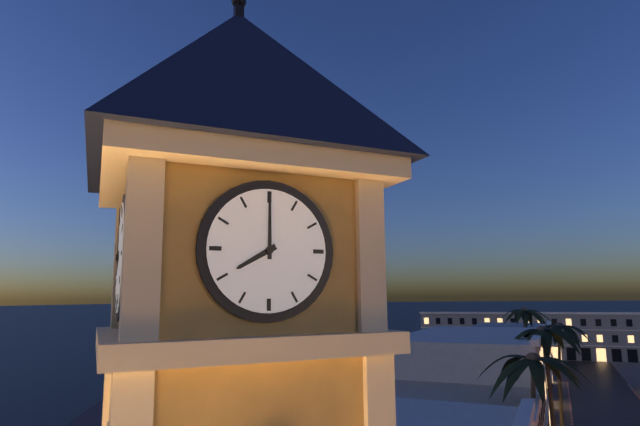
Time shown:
{"hour": 8, "minute": 0}
